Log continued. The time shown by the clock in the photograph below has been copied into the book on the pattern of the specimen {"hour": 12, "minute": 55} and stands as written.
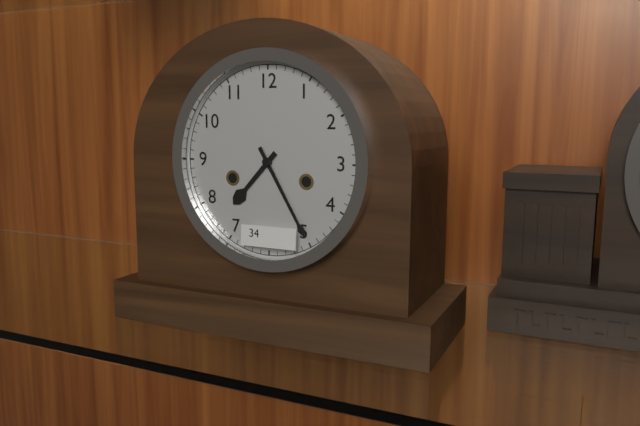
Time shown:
{"hour": 7, "minute": 25}
